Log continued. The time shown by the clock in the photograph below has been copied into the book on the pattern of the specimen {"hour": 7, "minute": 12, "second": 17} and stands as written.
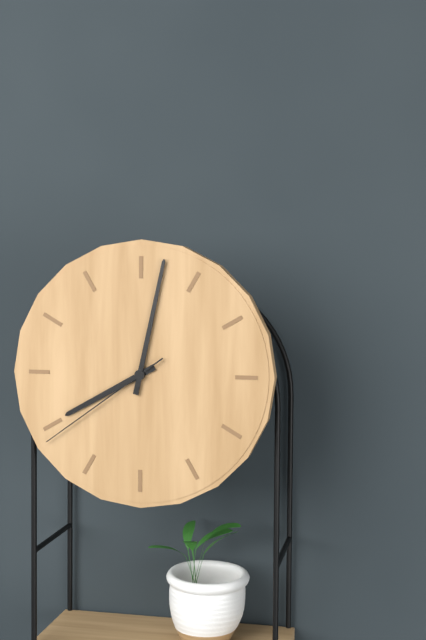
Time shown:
{"hour": 8, "minute": 2, "second": 39}
